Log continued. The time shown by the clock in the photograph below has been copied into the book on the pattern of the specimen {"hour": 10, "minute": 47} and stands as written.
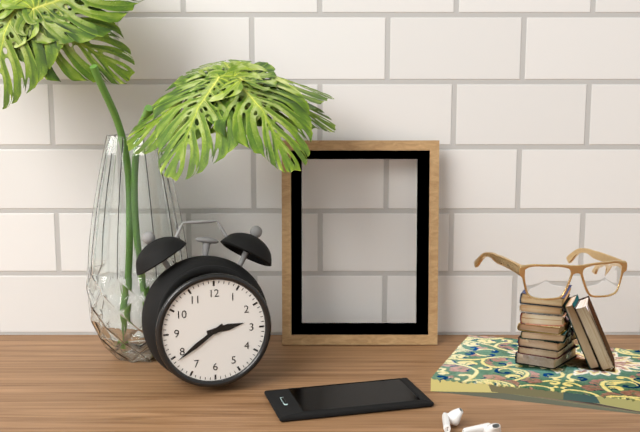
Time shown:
{"hour": 2, "minute": 39}
